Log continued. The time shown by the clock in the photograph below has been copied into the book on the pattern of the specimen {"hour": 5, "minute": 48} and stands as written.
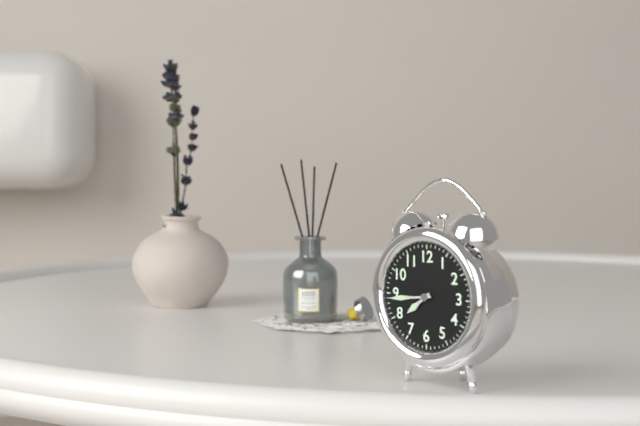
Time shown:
{"hour": 7, "minute": 44}
